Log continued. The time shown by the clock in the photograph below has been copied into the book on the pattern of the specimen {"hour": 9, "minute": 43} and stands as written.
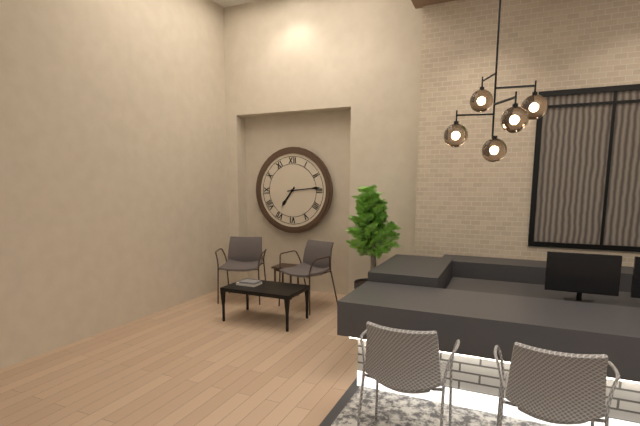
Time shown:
{"hour": 7, "minute": 14}
